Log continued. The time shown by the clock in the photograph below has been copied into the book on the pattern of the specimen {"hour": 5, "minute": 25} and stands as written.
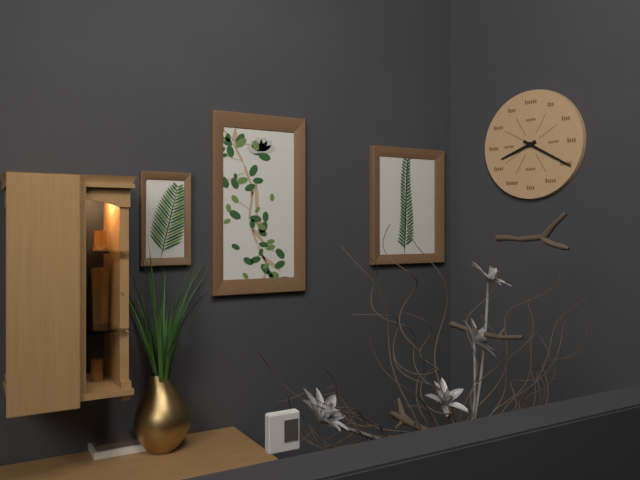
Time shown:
{"hour": 8, "minute": 20}
